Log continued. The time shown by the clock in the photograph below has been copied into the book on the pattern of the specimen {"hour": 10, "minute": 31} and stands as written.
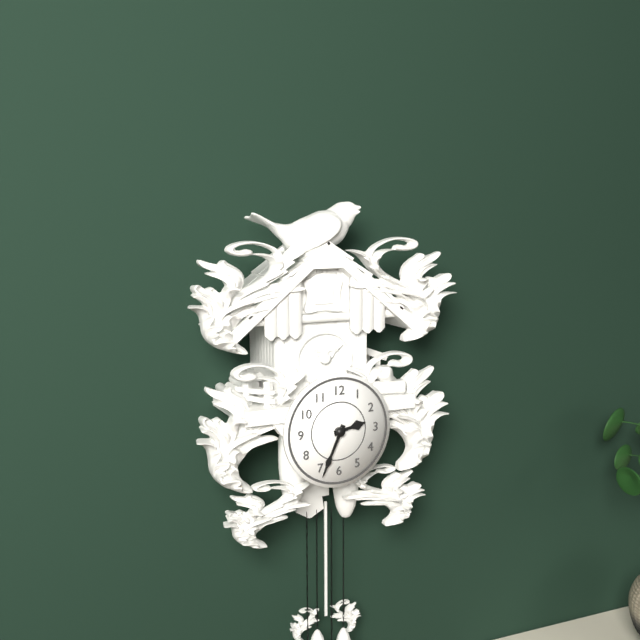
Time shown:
{"hour": 2, "minute": 34}
